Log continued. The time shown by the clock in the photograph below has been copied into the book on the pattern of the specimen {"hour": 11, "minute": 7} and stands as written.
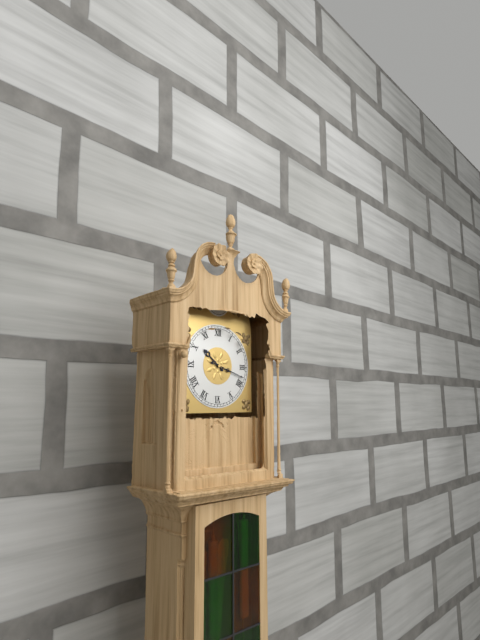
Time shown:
{"hour": 10, "minute": 18}
